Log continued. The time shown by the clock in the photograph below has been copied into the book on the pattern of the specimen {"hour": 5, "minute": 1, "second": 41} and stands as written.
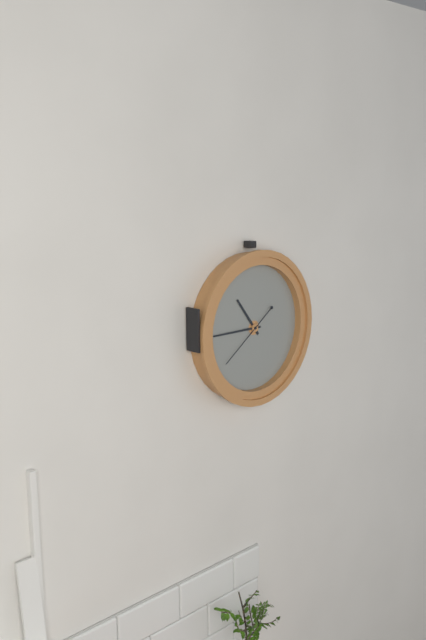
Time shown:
{"hour": 10, "minute": 45, "second": 39}
